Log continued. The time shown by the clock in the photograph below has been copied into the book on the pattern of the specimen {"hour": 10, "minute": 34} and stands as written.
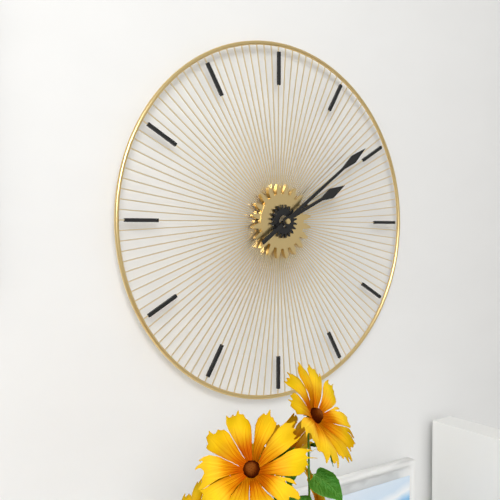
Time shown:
{"hour": 2, "minute": 9}
